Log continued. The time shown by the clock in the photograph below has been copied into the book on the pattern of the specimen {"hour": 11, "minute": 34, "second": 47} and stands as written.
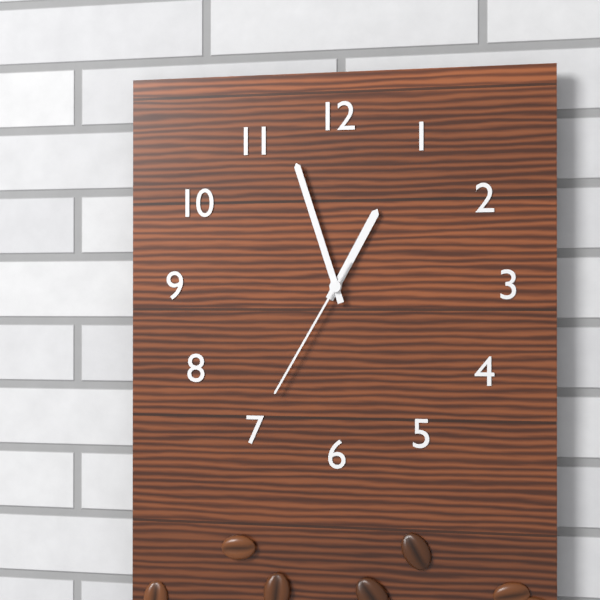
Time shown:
{"hour": 12, "minute": 57, "second": 35}
